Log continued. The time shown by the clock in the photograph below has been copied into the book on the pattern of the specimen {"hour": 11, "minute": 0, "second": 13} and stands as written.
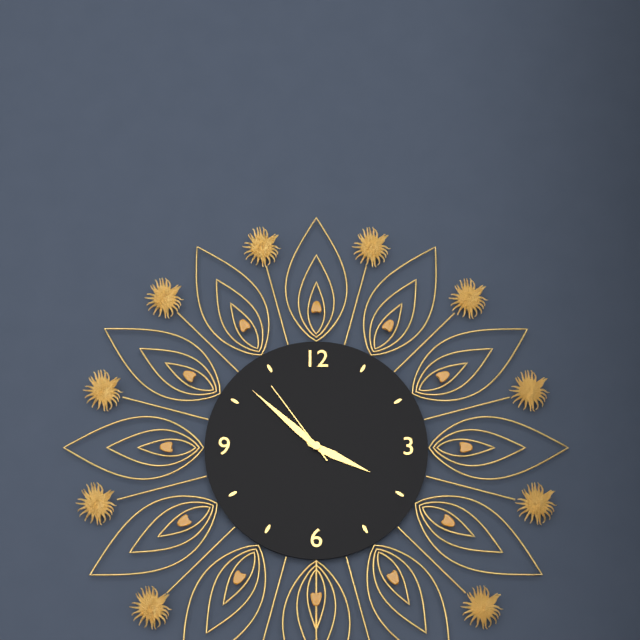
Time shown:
{"hour": 3, "minute": 52, "second": 54}
